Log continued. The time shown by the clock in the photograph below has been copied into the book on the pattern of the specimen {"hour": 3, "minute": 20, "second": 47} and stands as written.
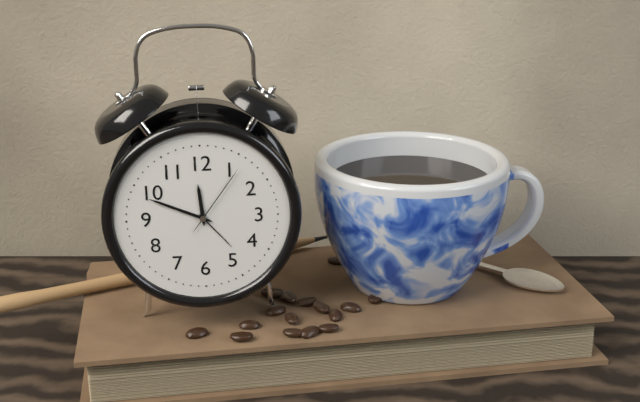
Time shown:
{"hour": 11, "minute": 49, "second": 6}
